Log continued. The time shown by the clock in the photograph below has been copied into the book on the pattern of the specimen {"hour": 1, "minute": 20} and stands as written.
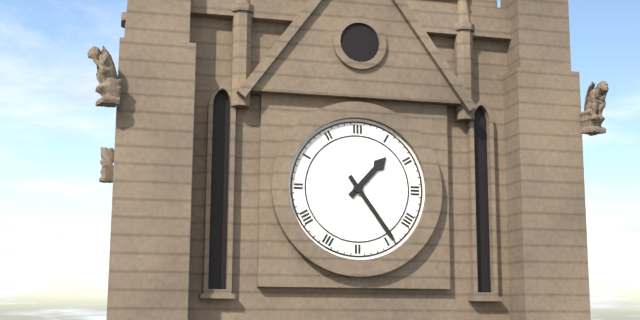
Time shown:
{"hour": 1, "minute": 24}
